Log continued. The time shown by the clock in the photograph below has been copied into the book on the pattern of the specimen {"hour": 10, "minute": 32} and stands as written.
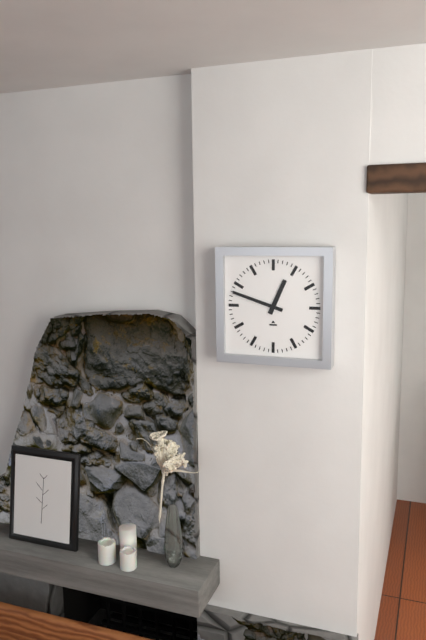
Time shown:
{"hour": 12, "minute": 48}
